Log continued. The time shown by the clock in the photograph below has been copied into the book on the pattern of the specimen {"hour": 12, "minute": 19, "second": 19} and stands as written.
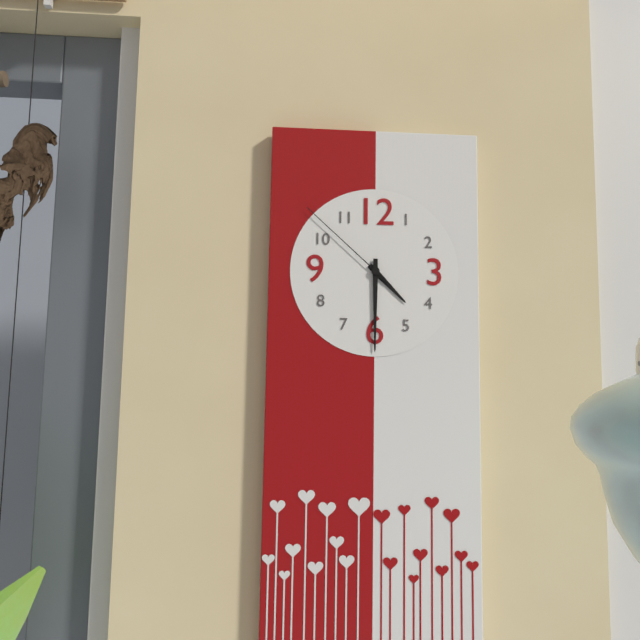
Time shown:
{"hour": 4, "minute": 30, "second": 52}
